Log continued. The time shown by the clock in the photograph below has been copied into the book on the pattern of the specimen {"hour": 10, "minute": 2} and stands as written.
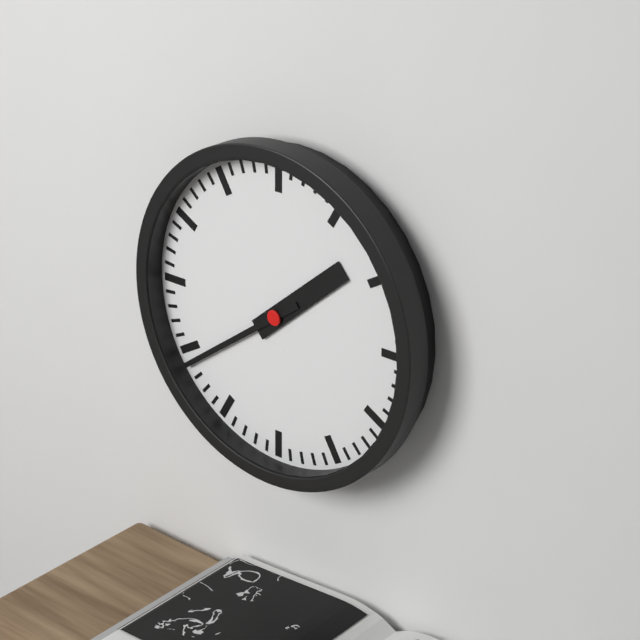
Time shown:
{"hour": 1, "minute": 39}
